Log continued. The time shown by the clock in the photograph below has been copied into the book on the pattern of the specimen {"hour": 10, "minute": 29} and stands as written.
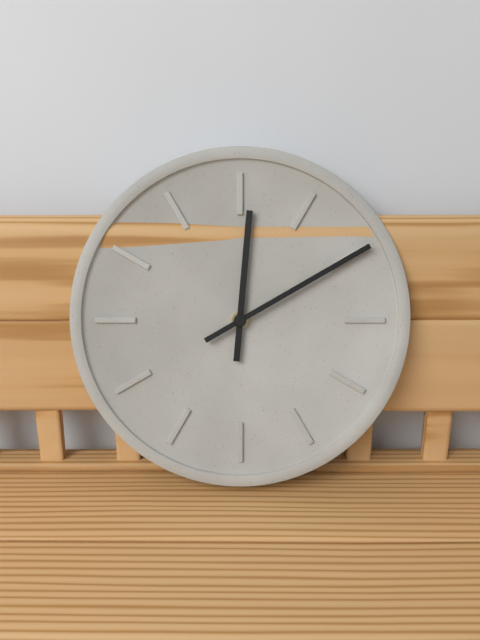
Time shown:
{"hour": 12, "minute": 10}
